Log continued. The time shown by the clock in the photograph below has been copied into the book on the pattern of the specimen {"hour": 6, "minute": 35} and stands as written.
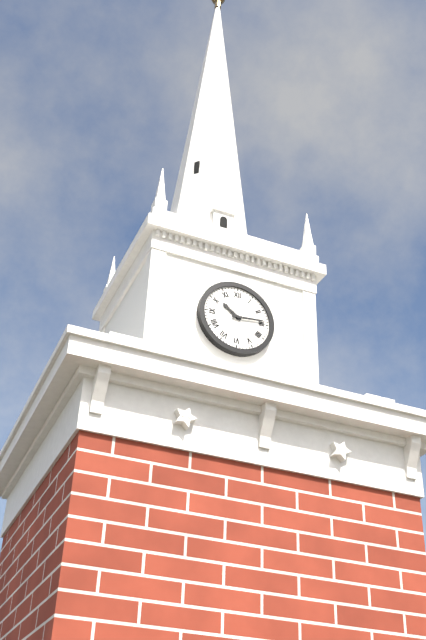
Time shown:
{"hour": 10, "minute": 14}
